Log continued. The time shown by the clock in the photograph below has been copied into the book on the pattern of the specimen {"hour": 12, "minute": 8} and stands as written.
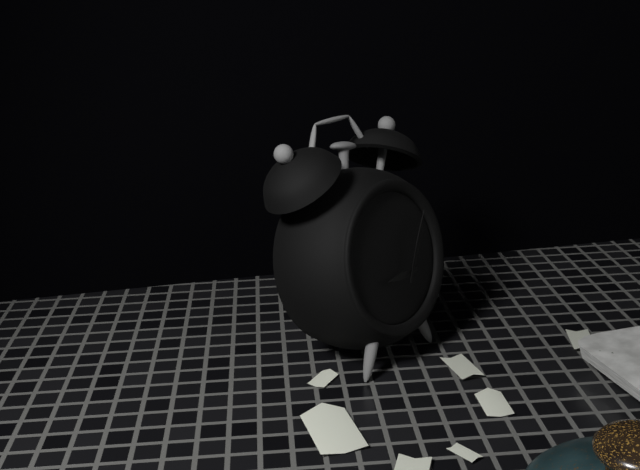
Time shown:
{"hour": 9, "minute": 3}
